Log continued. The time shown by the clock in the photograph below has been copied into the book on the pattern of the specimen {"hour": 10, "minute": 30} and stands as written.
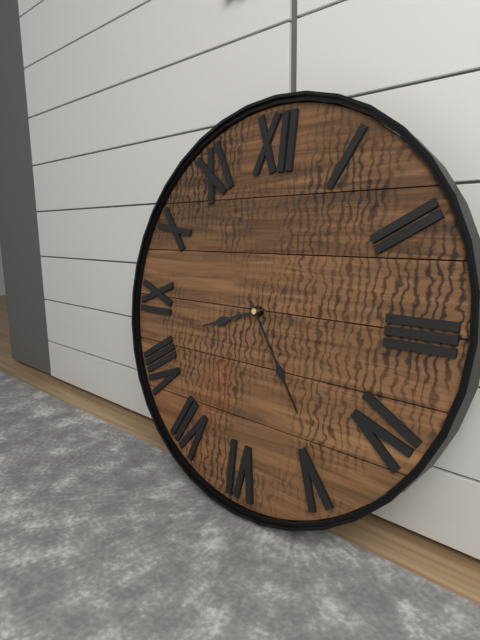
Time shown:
{"hour": 8, "minute": 24}
